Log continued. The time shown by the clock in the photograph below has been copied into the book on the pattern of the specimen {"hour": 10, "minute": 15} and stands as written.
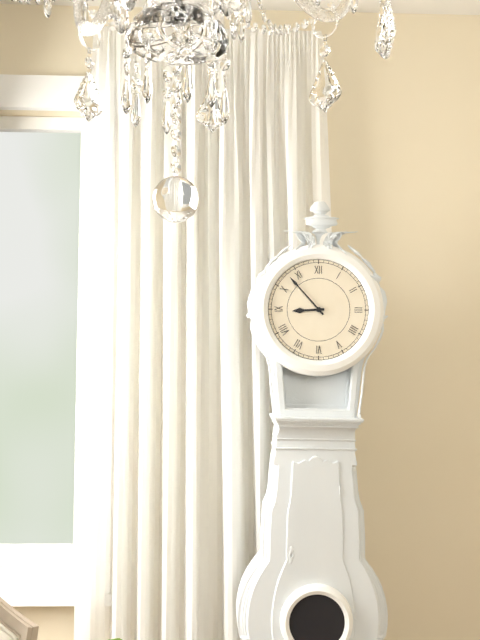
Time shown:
{"hour": 8, "minute": 53}
